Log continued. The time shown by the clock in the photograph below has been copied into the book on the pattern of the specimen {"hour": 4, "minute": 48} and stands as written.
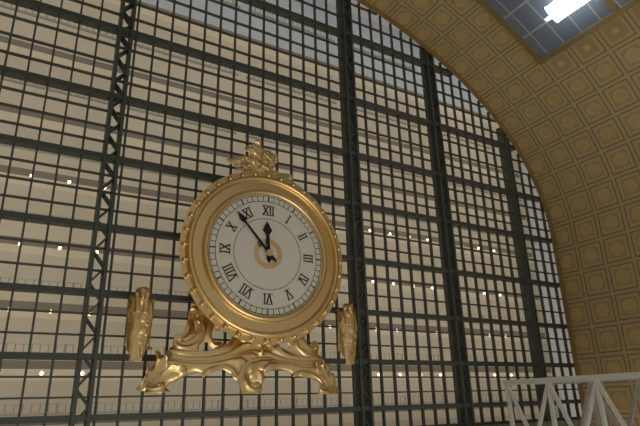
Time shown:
{"hour": 11, "minute": 53}
